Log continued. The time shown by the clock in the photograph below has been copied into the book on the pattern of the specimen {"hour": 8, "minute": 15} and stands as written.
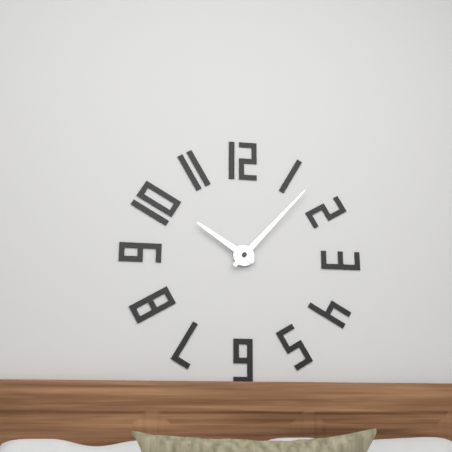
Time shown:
{"hour": 10, "minute": 7}
